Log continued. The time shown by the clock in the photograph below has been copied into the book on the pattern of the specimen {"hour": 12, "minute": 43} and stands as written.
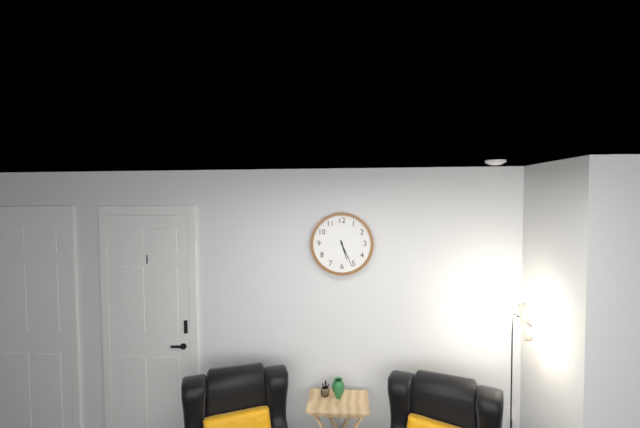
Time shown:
{"hour": 5, "minute": 26}
